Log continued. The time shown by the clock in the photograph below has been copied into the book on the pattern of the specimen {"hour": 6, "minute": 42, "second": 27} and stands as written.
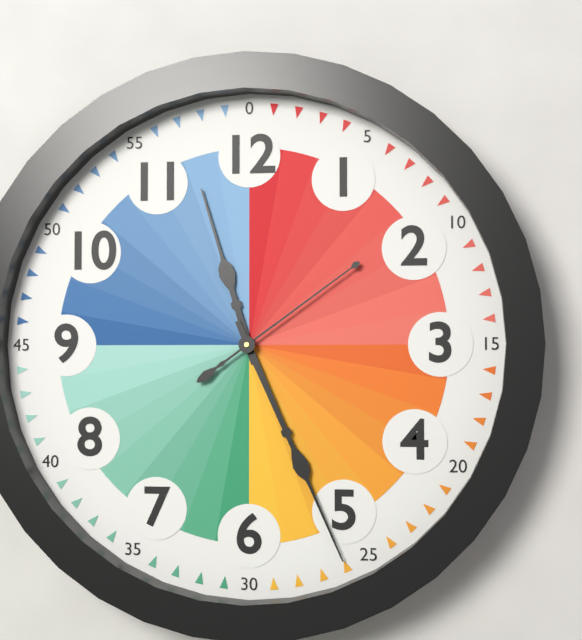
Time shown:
{"hour": 11, "minute": 26, "second": 9}
